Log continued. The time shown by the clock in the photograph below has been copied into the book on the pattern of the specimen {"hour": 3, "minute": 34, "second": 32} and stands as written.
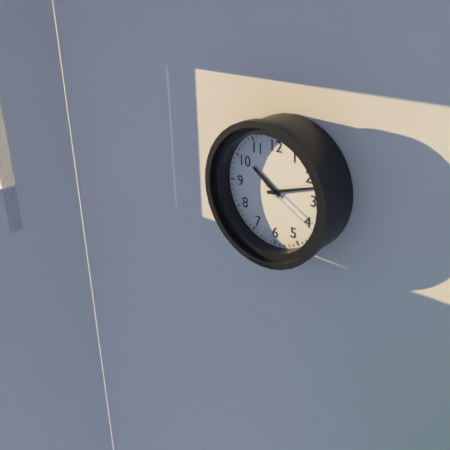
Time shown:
{"hour": 10, "minute": 12, "second": 20}
